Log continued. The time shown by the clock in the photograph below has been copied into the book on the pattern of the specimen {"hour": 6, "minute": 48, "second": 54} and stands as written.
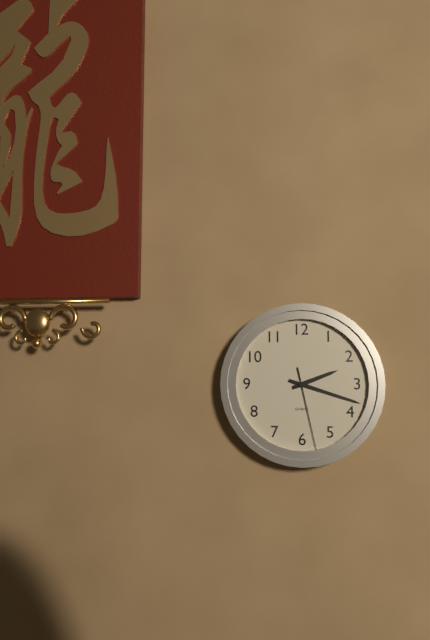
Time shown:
{"hour": 2, "minute": 18, "second": 28}
